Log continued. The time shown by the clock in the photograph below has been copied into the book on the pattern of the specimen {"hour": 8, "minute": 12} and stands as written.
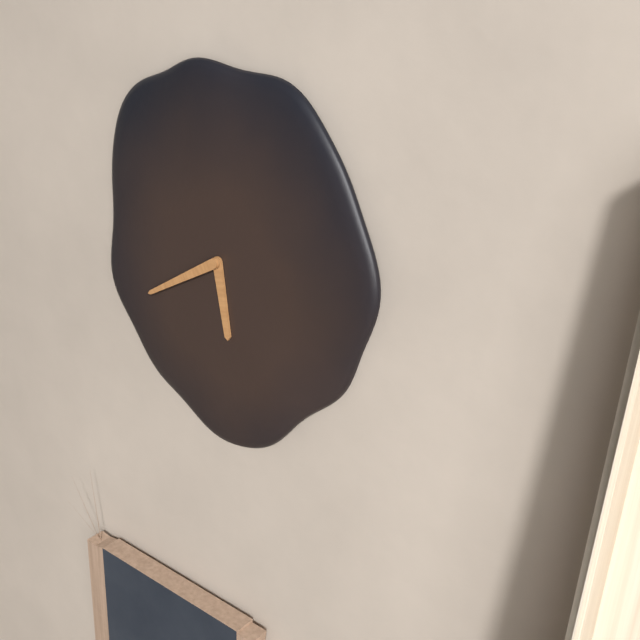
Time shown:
{"hour": 5, "minute": 40}
